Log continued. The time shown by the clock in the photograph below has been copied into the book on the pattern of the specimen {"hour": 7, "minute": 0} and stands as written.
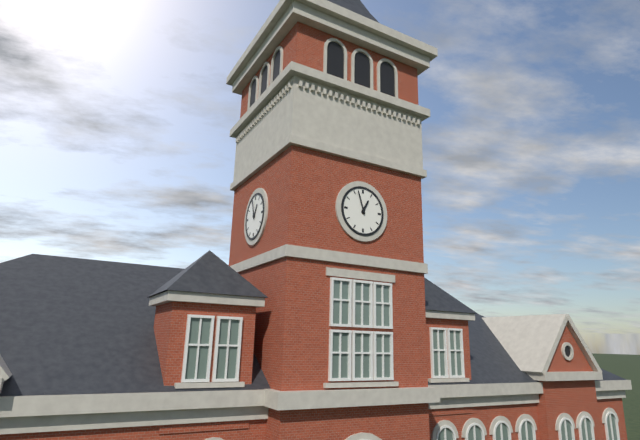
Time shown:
{"hour": 12, "minute": 57}
